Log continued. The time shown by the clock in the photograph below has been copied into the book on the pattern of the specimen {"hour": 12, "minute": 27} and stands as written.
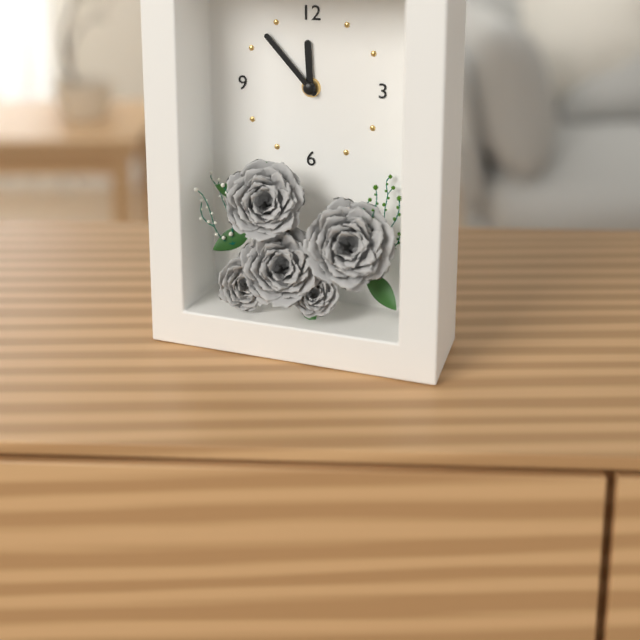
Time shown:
{"hour": 11, "minute": 53}
